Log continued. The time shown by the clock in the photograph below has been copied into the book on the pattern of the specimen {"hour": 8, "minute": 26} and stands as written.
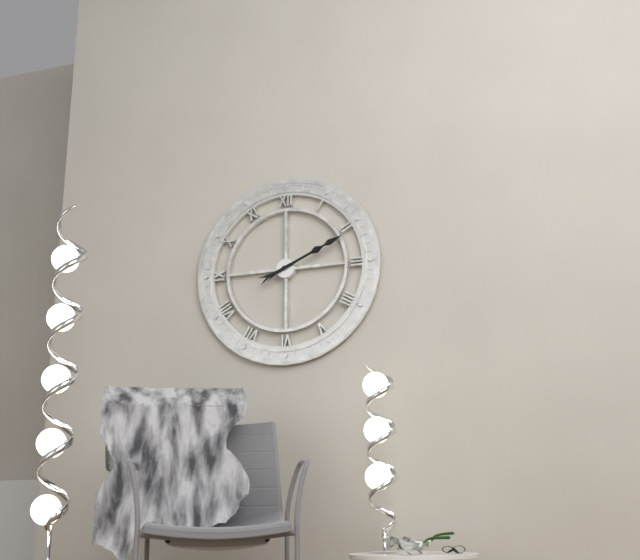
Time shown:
{"hour": 2, "minute": 11}
